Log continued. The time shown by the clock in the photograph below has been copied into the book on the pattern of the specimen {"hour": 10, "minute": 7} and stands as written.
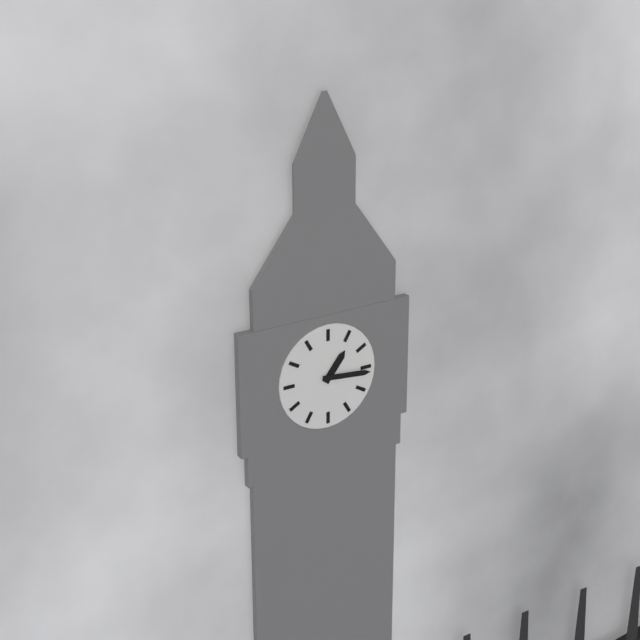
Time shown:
{"hour": 1, "minute": 16}
